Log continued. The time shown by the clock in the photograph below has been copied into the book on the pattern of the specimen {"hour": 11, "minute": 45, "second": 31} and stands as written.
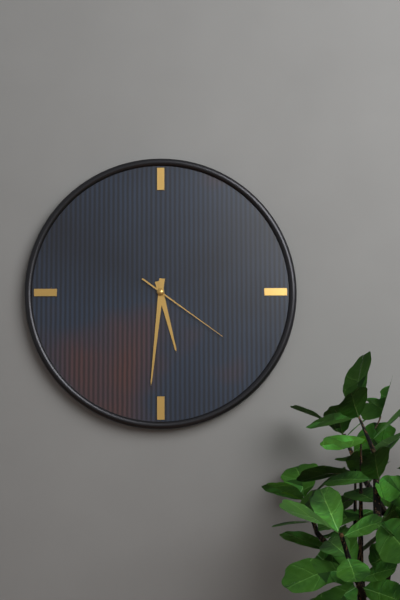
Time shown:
{"hour": 5, "minute": 31, "second": 21}
